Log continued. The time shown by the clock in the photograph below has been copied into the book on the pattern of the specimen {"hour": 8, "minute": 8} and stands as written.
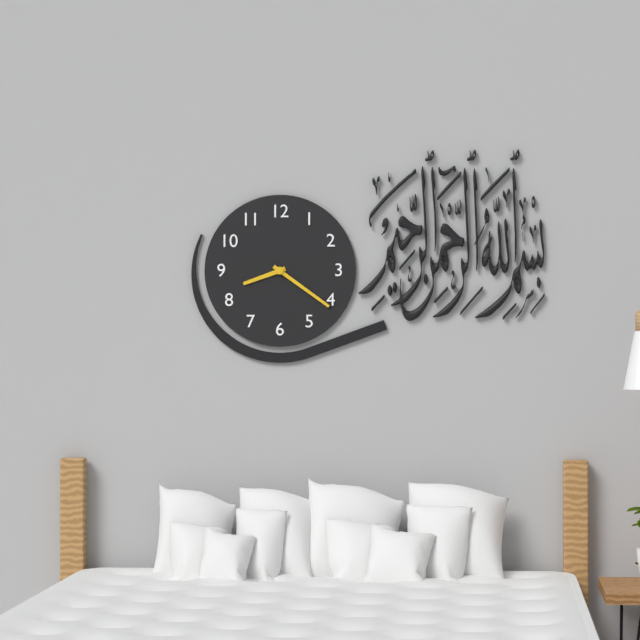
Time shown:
{"hour": 8, "minute": 21}
